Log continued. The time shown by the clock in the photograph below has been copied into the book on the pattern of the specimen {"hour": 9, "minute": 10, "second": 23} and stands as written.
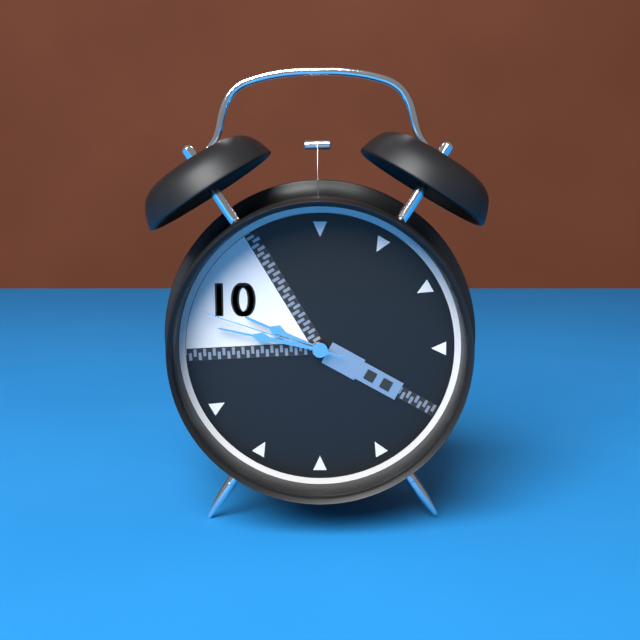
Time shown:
{"hour": 9, "minute": 47, "second": 48}
